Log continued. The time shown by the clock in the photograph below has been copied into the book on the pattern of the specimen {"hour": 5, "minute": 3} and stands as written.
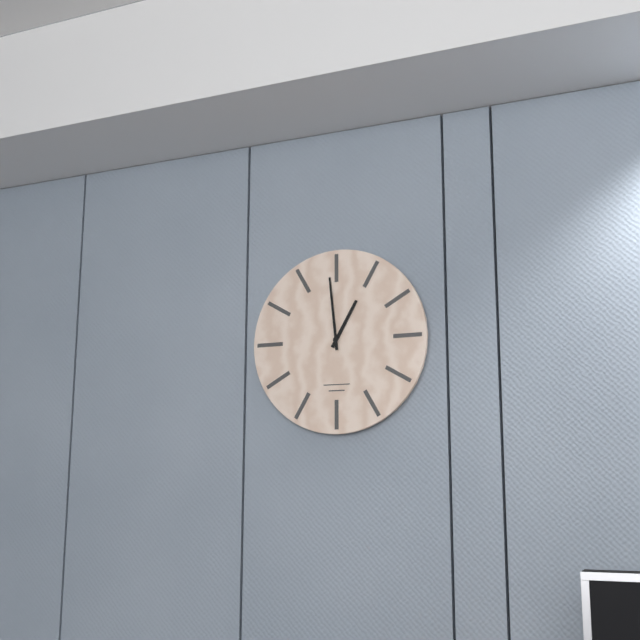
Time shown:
{"hour": 12, "minute": 59}
